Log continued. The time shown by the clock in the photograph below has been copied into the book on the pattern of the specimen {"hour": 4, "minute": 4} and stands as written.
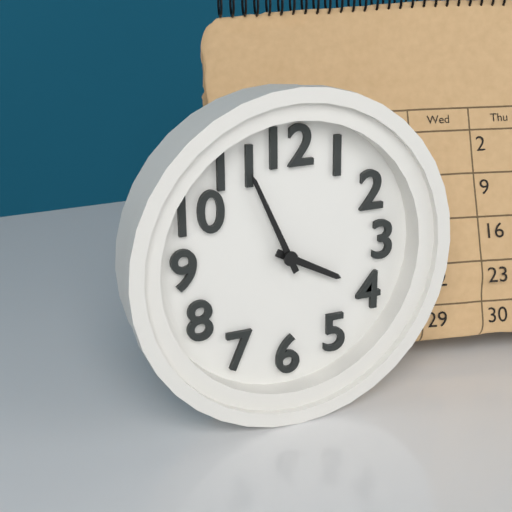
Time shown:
{"hour": 3, "minute": 56}
